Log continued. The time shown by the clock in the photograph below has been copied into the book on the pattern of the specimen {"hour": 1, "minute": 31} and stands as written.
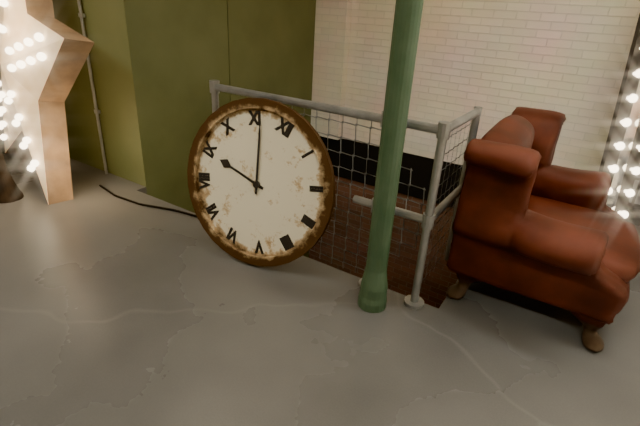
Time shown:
{"hour": 8, "minute": 56}
